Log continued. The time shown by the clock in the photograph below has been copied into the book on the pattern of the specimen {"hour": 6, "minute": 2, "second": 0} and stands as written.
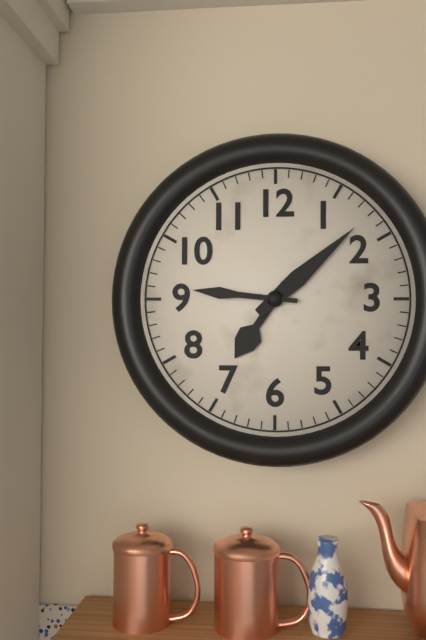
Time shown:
{"hour": 7, "minute": 8, "second": 46}
